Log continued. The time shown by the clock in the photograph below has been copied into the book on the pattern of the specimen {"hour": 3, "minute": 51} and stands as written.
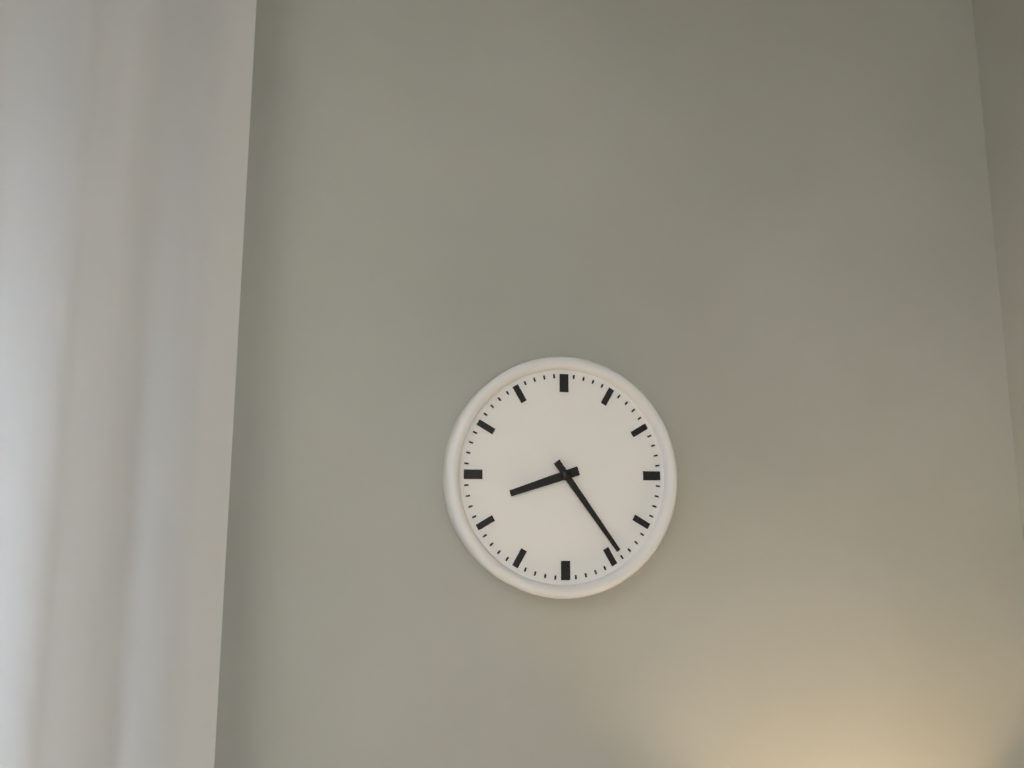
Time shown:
{"hour": 8, "minute": 24}
